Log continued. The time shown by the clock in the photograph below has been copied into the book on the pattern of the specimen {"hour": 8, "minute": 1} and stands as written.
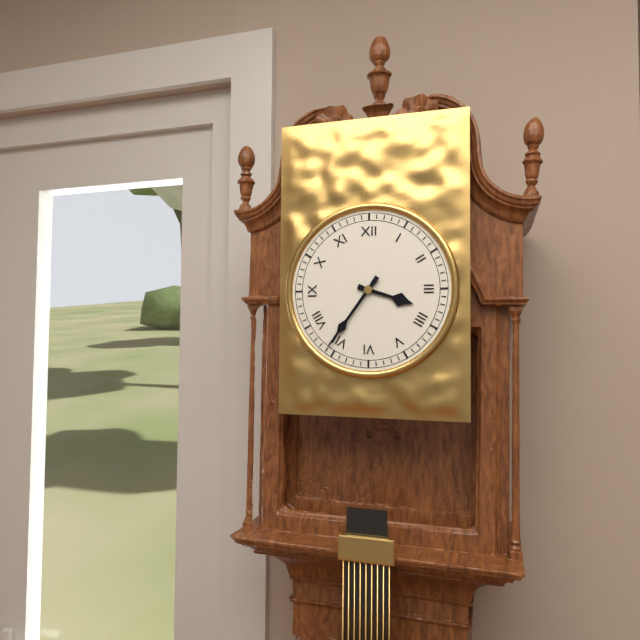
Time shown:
{"hour": 3, "minute": 36}
